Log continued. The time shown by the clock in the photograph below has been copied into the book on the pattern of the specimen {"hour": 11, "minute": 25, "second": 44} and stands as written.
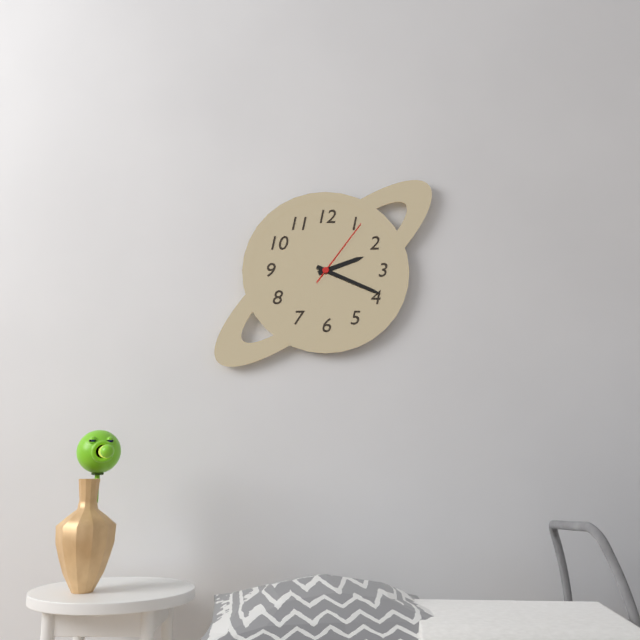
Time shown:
{"hour": 2, "minute": 19, "second": 6}
